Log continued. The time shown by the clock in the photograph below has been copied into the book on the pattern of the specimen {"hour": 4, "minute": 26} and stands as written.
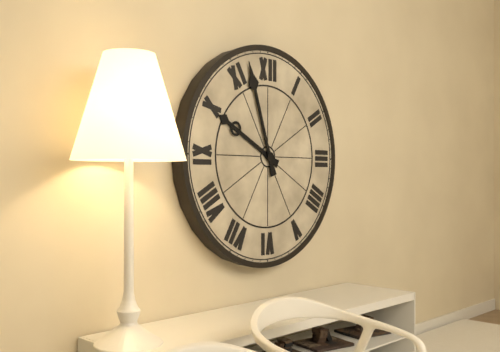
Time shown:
{"hour": 9, "minute": 57}
